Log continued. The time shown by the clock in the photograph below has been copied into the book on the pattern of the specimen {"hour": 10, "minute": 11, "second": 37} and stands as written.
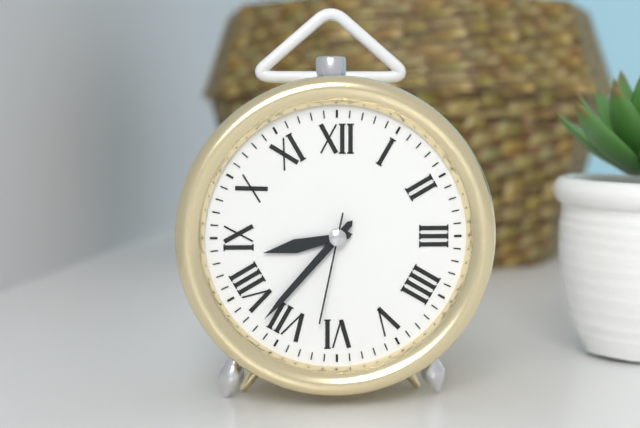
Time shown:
{"hour": 8, "minute": 37, "second": 32}
